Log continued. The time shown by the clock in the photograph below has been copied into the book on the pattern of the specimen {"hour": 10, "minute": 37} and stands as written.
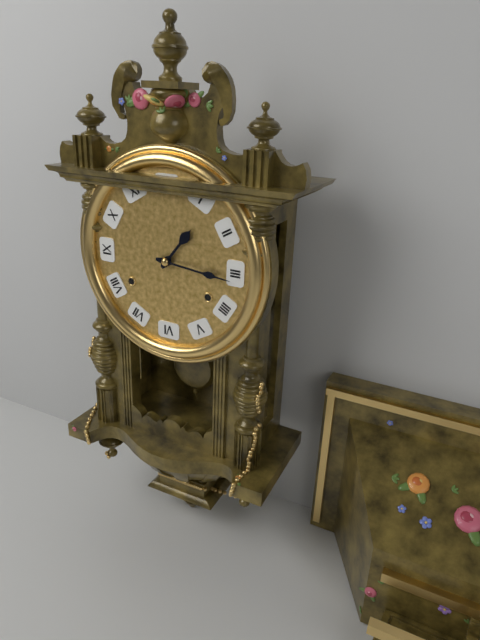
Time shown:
{"hour": 1, "minute": 16}
